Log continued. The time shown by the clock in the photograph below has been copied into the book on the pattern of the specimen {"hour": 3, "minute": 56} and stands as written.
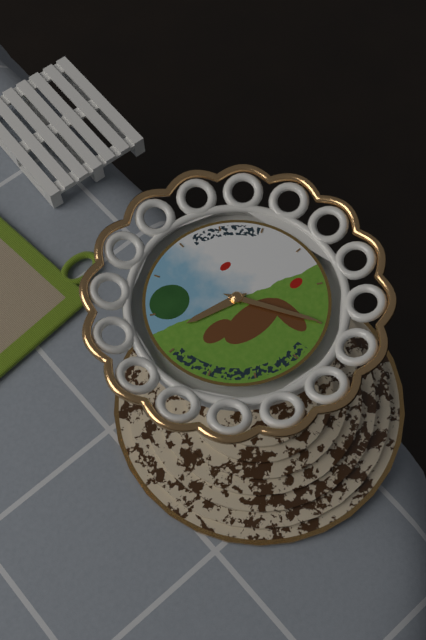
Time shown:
{"hour": 9, "minute": 25}
